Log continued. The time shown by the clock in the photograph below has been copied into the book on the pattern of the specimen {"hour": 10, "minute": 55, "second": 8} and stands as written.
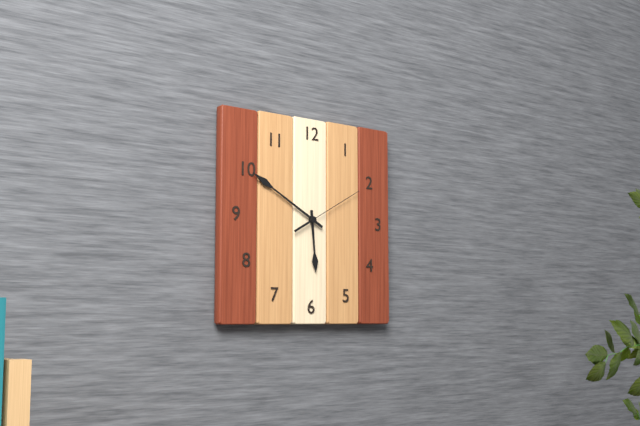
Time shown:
{"hour": 5, "minute": 50, "second": 10}
